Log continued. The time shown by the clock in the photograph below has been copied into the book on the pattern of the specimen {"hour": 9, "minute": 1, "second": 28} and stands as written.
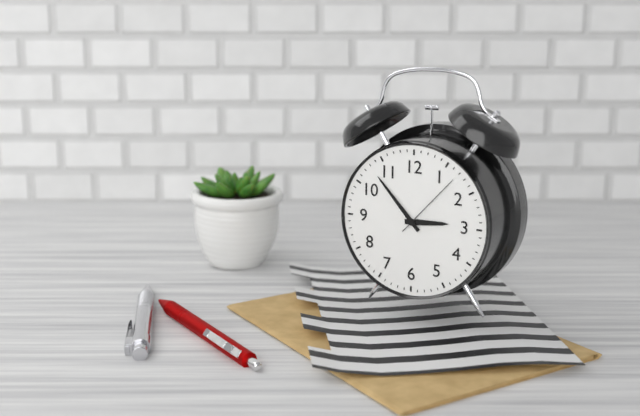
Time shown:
{"hour": 2, "minute": 53, "second": 7}
